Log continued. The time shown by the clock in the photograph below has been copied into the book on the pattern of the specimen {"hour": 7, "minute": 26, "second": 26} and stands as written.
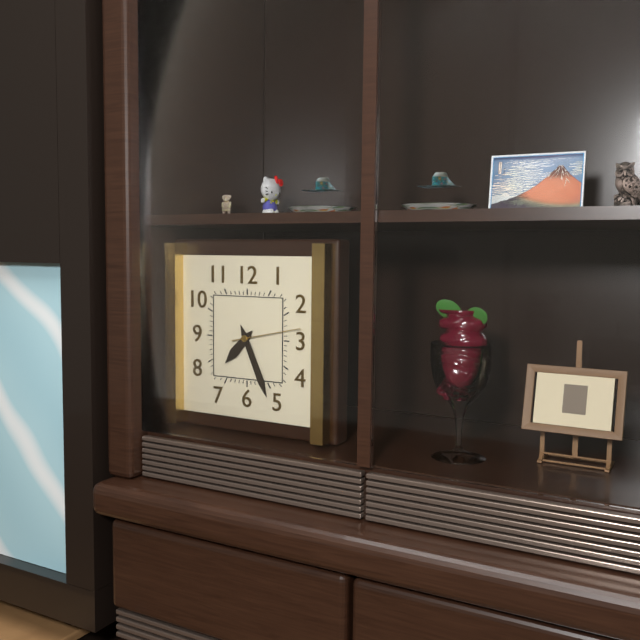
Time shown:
{"hour": 7, "minute": 26, "second": 13}
